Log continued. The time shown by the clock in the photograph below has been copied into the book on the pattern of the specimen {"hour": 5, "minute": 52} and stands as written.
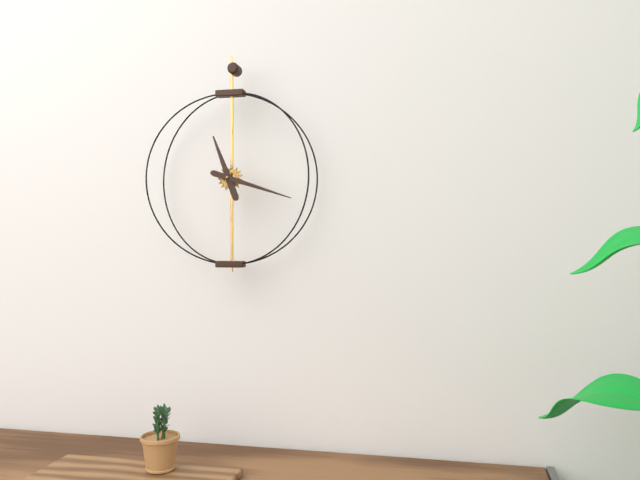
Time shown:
{"hour": 11, "minute": 18}
